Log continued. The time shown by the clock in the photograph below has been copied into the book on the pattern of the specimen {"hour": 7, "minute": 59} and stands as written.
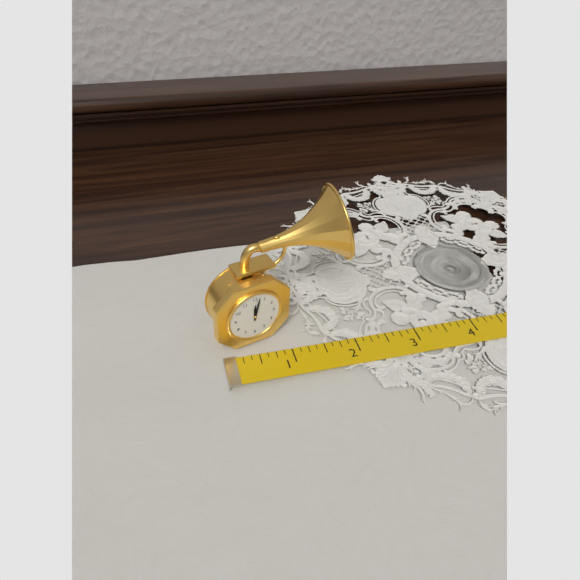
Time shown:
{"hour": 12, "minute": 2}
